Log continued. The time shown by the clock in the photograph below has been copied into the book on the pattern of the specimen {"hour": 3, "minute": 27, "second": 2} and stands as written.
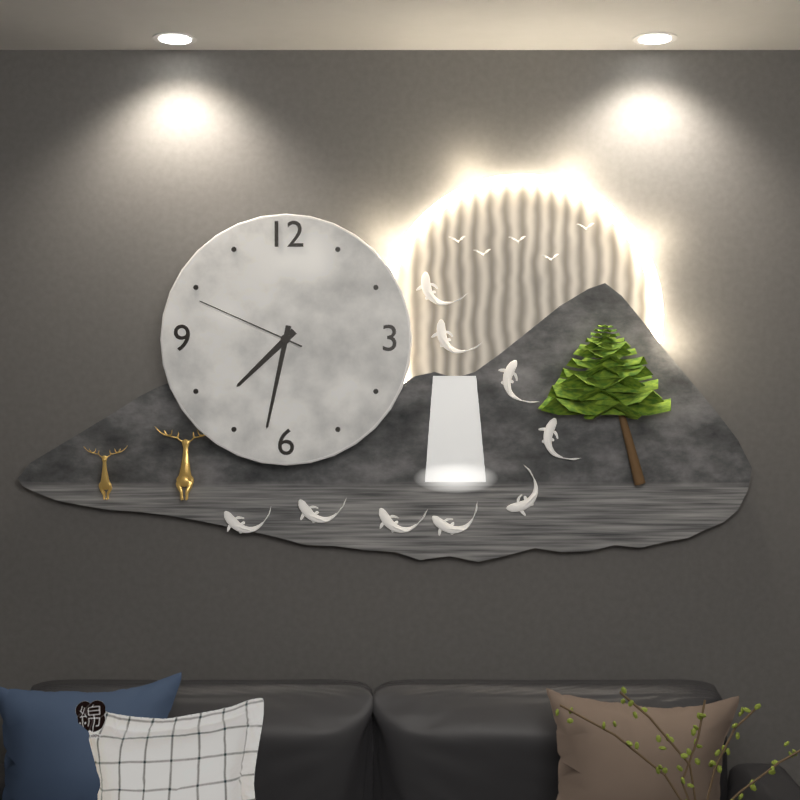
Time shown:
{"hour": 7, "minute": 32, "second": 49}
